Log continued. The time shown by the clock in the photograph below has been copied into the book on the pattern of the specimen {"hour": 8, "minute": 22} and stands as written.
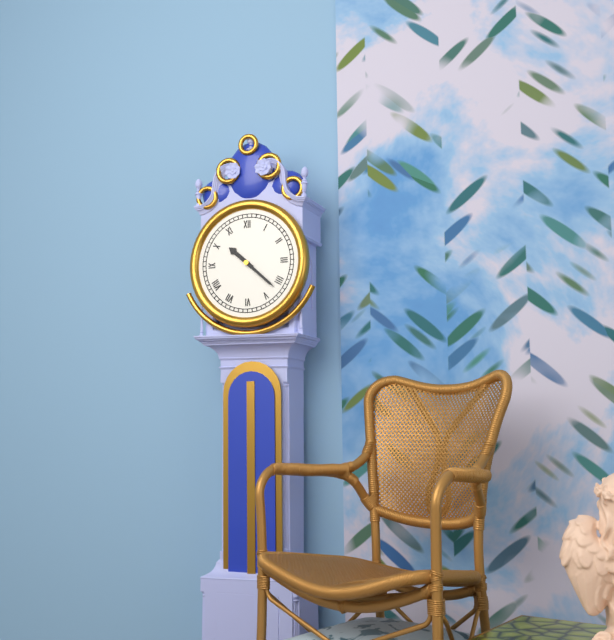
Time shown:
{"hour": 10, "minute": 22}
